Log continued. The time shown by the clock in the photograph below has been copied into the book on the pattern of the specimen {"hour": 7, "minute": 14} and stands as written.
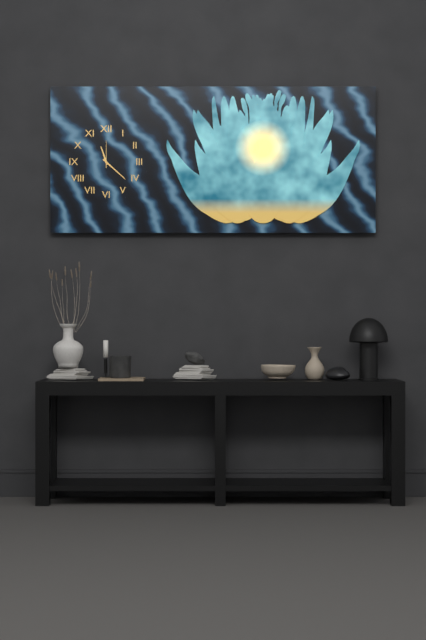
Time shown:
{"hour": 11, "minute": 22}
